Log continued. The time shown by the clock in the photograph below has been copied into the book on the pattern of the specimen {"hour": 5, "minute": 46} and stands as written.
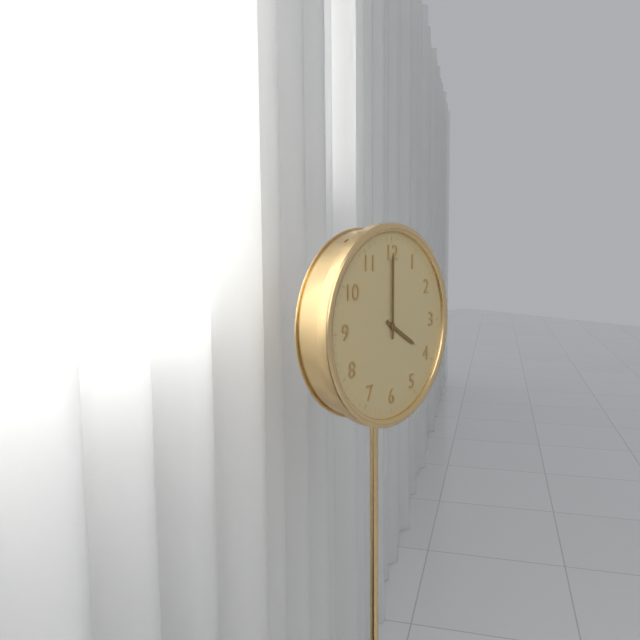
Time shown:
{"hour": 4, "minute": 0}
